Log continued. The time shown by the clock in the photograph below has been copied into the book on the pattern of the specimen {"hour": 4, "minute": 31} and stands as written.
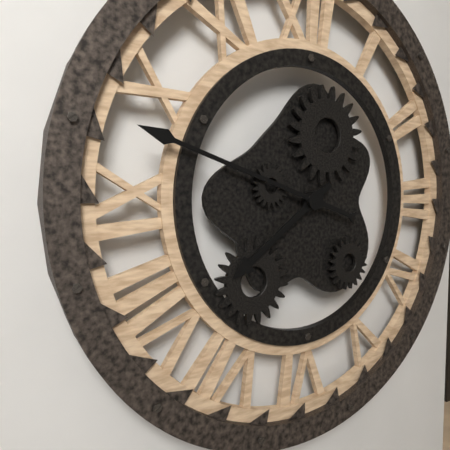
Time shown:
{"hour": 7, "minute": 48}
